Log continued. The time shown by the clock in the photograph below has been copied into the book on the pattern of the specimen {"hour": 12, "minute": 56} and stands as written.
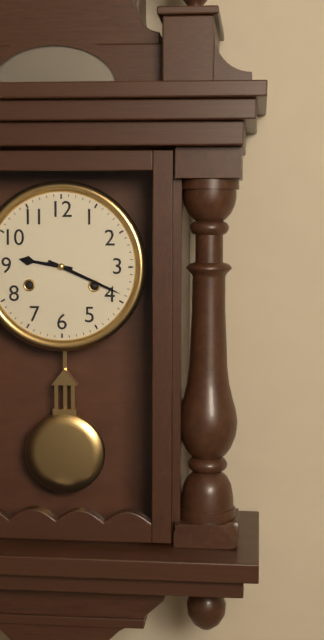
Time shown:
{"hour": 9, "minute": 19}
